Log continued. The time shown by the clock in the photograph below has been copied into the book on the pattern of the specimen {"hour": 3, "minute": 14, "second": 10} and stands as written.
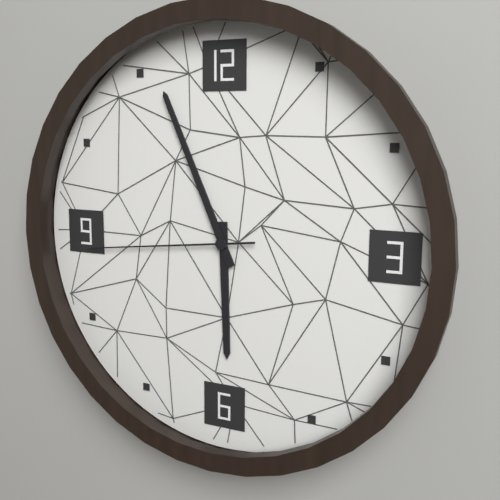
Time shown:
{"hour": 5, "minute": 56, "second": 44}
